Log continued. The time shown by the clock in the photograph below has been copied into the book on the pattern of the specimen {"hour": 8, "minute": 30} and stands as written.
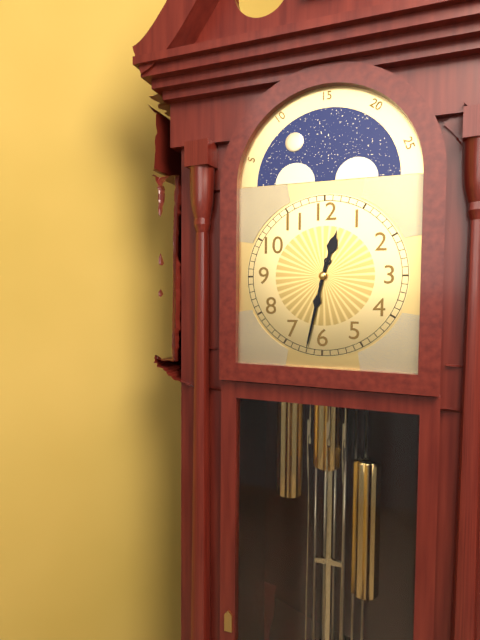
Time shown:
{"hour": 12, "minute": 32}
